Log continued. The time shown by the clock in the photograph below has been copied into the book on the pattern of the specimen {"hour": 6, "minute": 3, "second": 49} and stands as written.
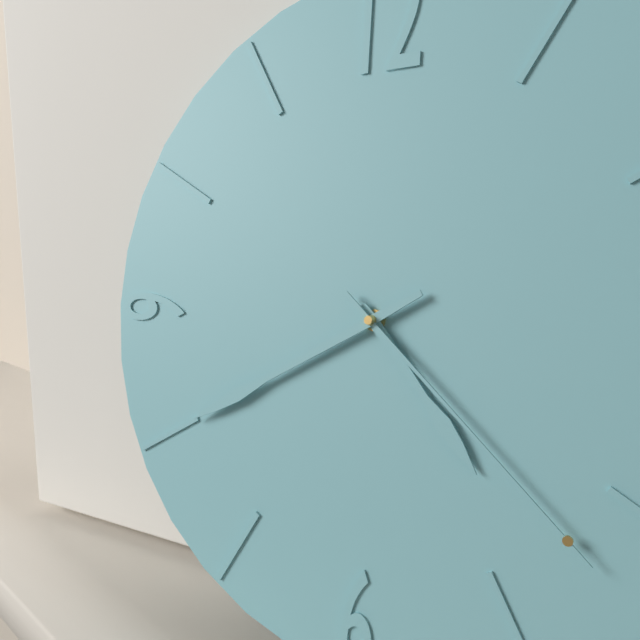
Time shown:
{"hour": 4, "minute": 40, "second": 22}
